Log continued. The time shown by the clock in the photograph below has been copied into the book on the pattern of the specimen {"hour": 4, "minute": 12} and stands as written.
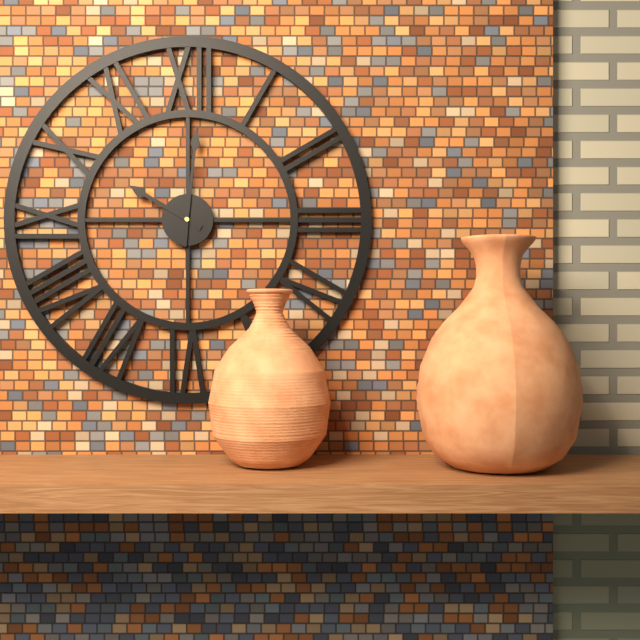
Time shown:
{"hour": 10, "minute": 1}
